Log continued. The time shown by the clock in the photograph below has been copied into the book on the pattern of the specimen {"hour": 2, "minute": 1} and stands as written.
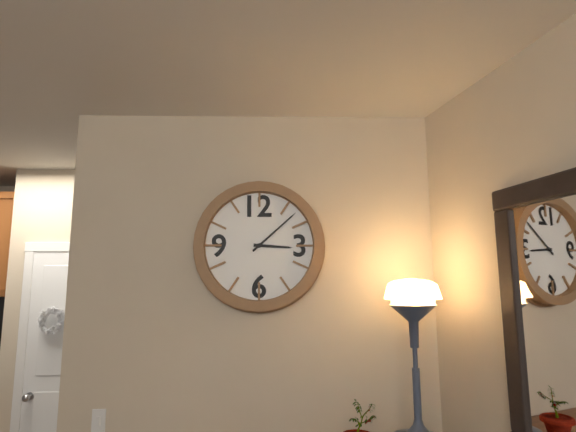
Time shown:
{"hour": 3, "minute": 8}
